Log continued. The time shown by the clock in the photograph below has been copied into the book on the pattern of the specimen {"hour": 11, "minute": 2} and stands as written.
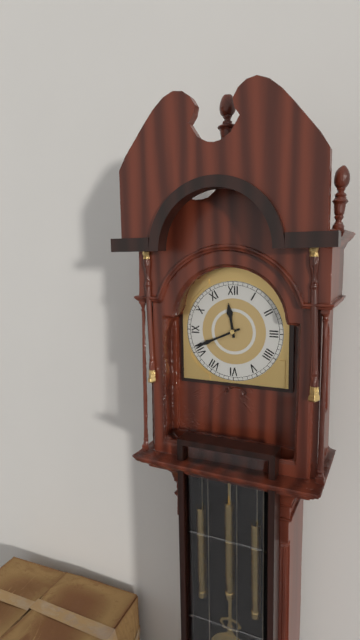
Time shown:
{"hour": 11, "minute": 41}
